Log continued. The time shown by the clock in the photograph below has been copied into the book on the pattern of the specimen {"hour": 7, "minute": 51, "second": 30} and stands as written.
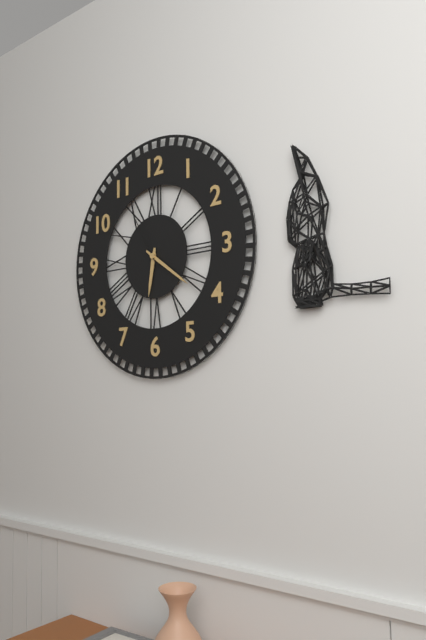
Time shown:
{"hour": 6, "minute": 21, "second": 55}
